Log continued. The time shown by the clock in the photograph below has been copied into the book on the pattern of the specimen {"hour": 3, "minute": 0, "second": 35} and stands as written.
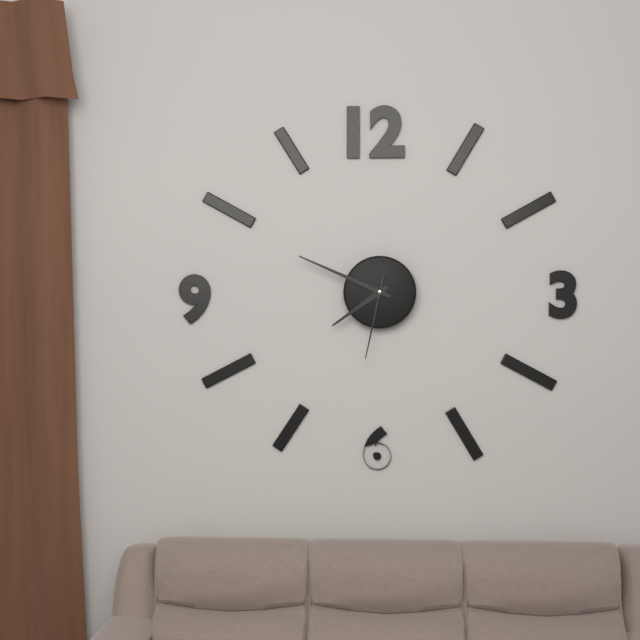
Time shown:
{"hour": 7, "minute": 49, "second": 32}
